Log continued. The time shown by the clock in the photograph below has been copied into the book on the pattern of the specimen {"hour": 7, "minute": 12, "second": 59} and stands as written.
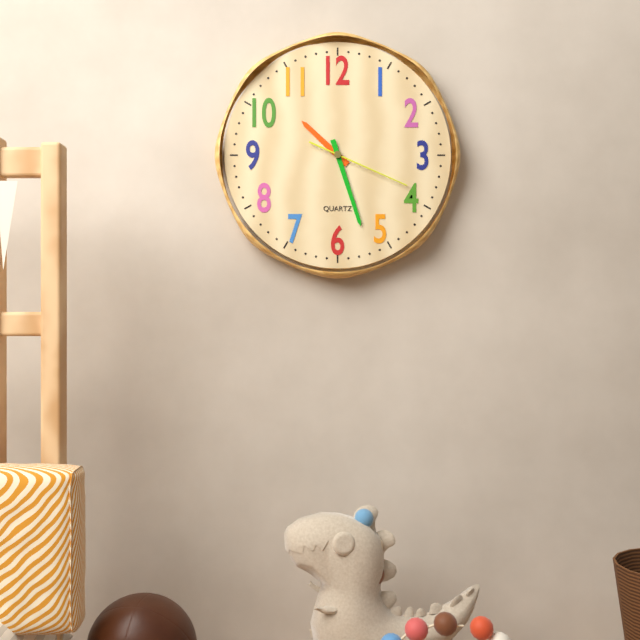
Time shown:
{"hour": 10, "minute": 27, "second": 19}
